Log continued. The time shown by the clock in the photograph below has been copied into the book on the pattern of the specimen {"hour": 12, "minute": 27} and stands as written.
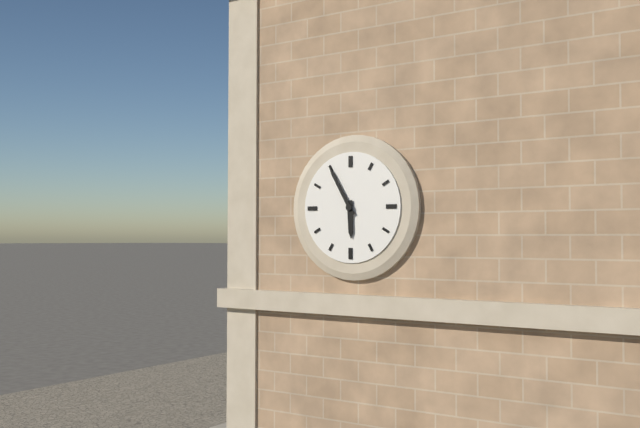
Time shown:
{"hour": 5, "minute": 55}
